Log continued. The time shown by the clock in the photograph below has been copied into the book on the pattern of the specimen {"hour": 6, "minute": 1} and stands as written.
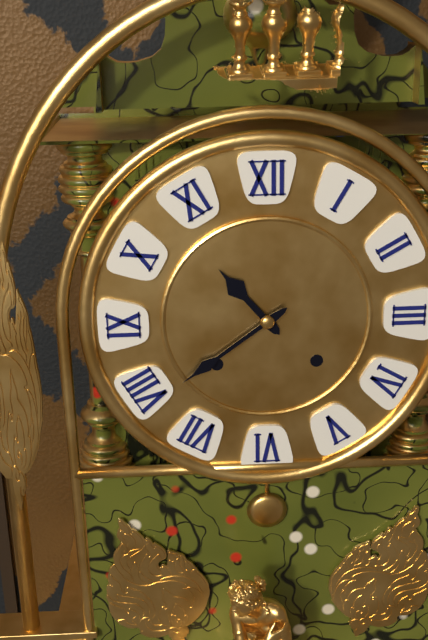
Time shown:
{"hour": 10, "minute": 39}
